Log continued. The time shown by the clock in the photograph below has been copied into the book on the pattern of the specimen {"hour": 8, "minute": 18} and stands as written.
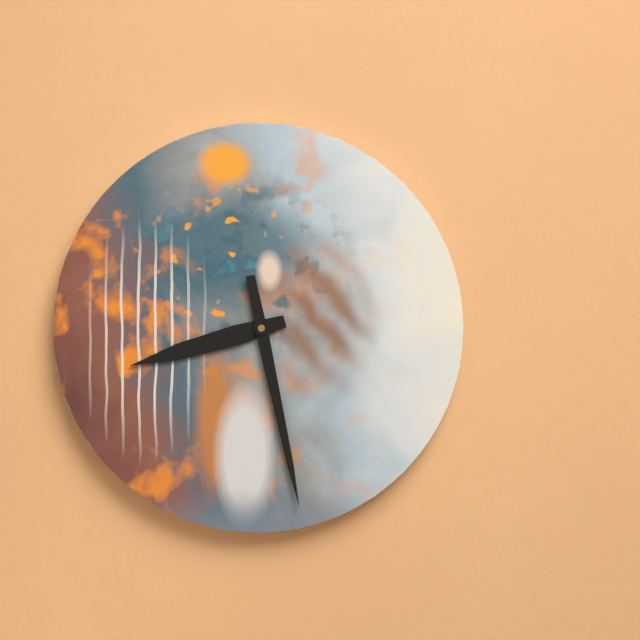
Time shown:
{"hour": 8, "minute": 28}
